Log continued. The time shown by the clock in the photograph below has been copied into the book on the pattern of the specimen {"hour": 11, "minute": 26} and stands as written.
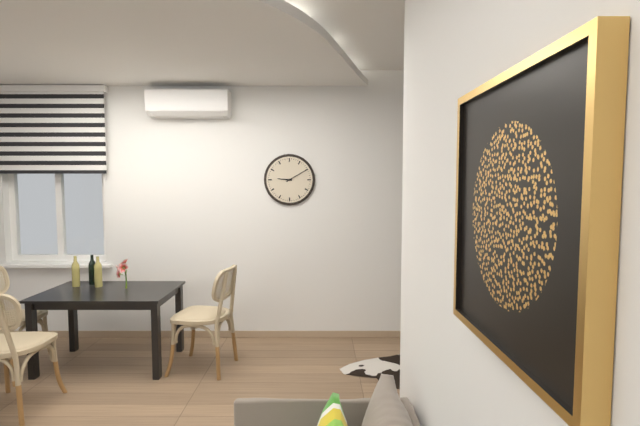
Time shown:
{"hour": 9, "minute": 10}
